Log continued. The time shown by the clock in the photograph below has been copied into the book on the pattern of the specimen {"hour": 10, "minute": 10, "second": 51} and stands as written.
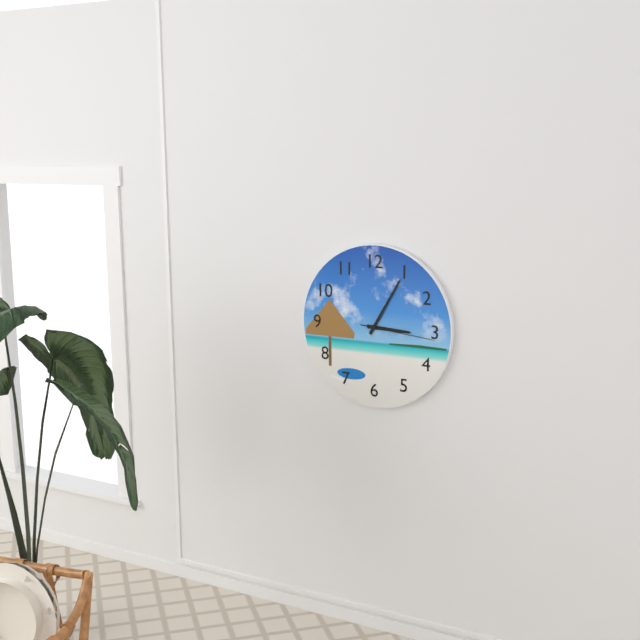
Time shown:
{"hour": 3, "minute": 5, "second": 16}
